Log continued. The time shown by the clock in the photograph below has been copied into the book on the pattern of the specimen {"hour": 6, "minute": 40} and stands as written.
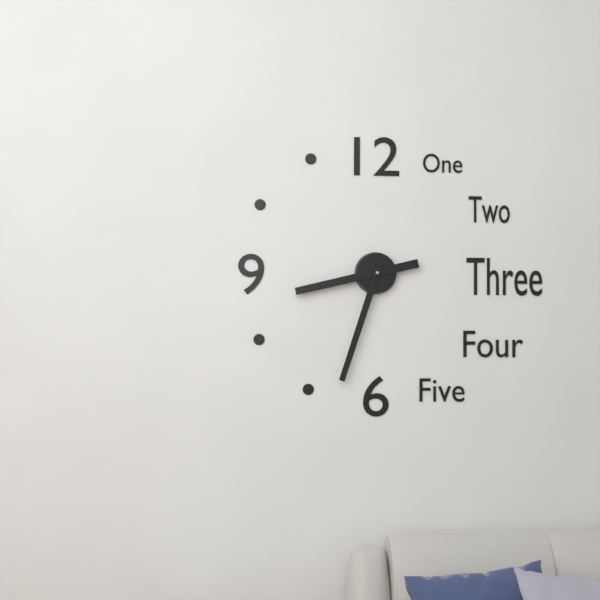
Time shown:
{"hour": 8, "minute": 33}
